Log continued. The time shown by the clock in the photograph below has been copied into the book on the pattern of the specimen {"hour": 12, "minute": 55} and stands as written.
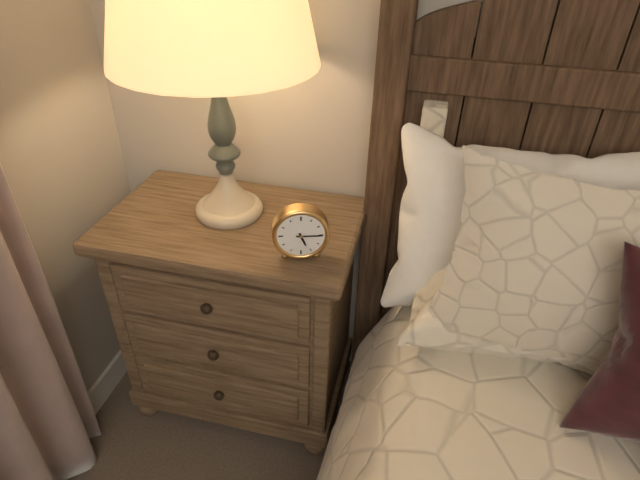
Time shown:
{"hour": 5, "minute": 15}
